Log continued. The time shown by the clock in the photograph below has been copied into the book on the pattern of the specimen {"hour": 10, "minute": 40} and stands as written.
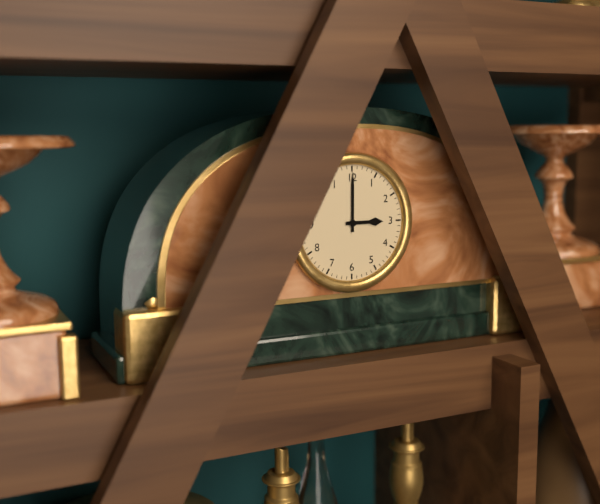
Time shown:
{"hour": 3, "minute": 0}
